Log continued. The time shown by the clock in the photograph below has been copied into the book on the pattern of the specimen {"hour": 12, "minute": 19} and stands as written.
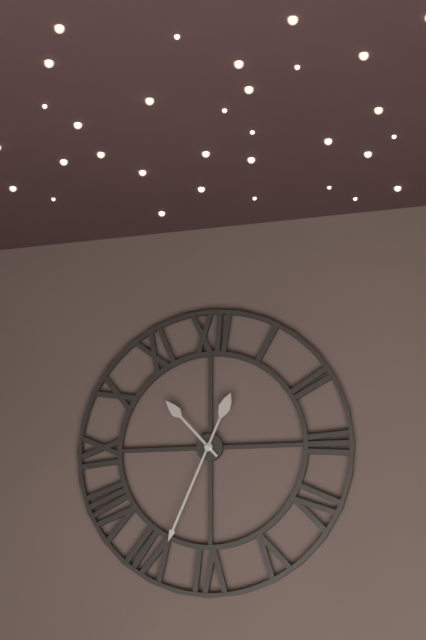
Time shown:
{"hour": 10, "minute": 34}
